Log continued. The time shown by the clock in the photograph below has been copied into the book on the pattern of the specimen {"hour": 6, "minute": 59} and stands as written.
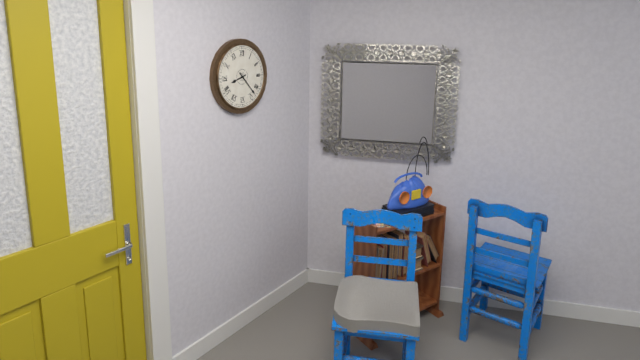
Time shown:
{"hour": 8, "minute": 23}
